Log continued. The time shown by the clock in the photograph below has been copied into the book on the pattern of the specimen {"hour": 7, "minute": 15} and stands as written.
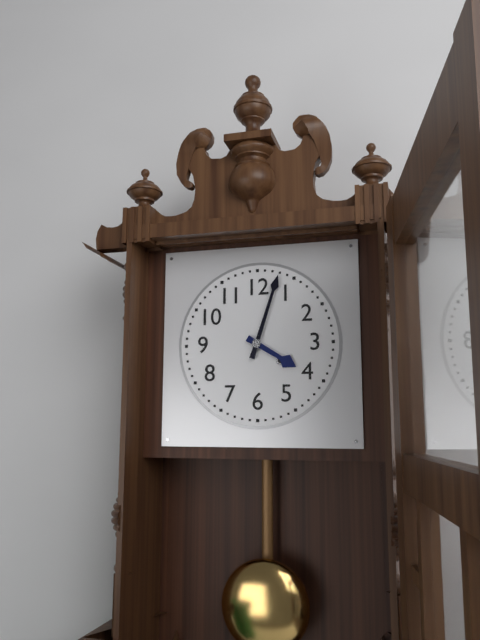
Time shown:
{"hour": 4, "minute": 3}
